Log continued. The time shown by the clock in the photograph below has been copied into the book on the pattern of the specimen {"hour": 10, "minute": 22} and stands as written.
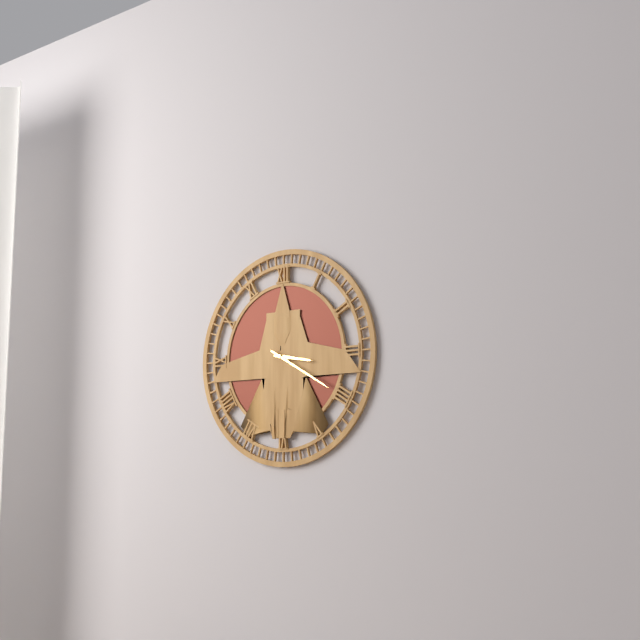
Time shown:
{"hour": 3, "minute": 20}
